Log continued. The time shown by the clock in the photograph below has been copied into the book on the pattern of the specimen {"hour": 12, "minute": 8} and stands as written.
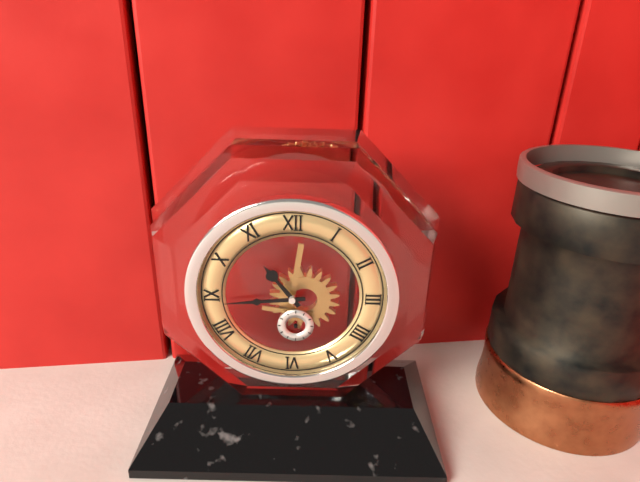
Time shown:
{"hour": 10, "minute": 44}
